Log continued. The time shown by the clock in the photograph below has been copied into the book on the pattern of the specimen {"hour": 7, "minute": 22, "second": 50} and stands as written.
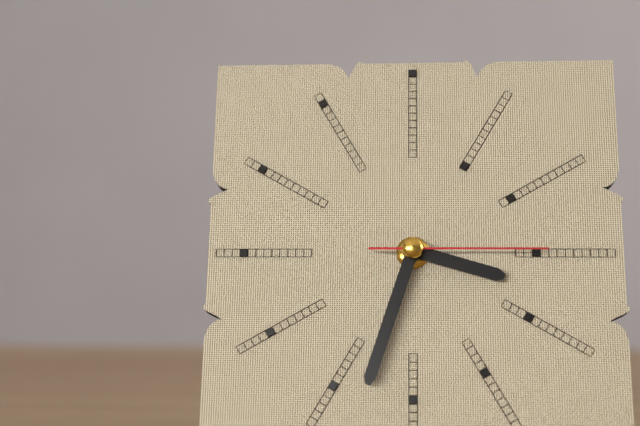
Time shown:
{"hour": 3, "minute": 33, "second": 15}
